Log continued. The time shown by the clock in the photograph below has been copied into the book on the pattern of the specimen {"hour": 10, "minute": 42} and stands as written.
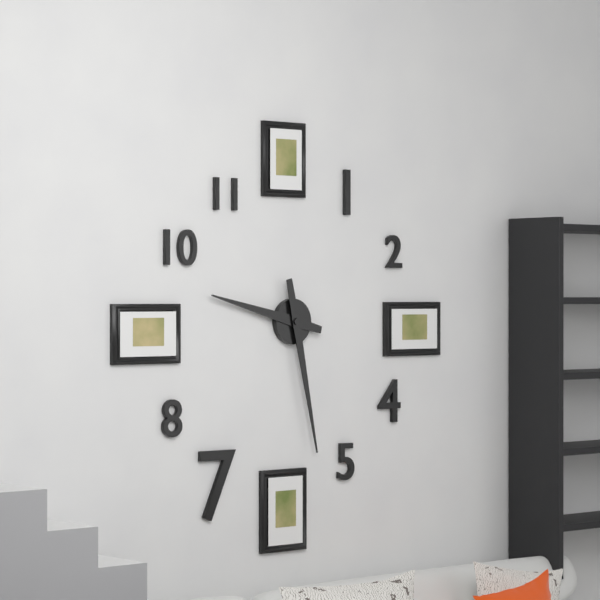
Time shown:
{"hour": 9, "minute": 28}
